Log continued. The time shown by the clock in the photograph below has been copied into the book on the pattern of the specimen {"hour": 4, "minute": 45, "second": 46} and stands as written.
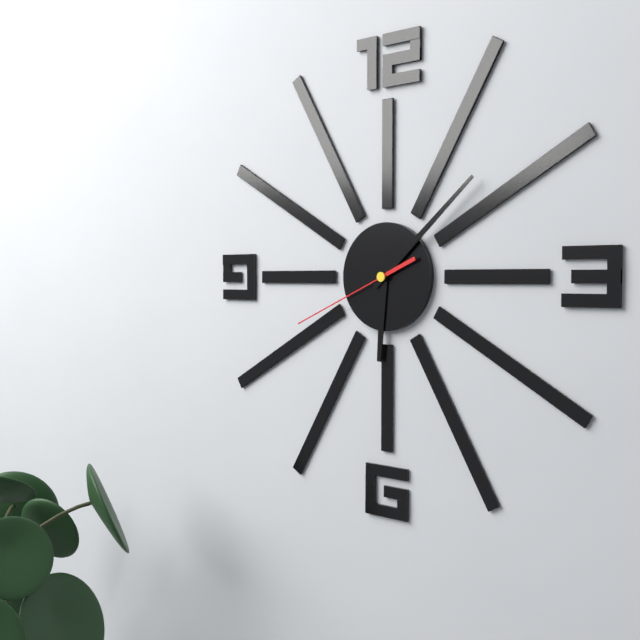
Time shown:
{"hour": 6, "minute": 8, "second": 41}
